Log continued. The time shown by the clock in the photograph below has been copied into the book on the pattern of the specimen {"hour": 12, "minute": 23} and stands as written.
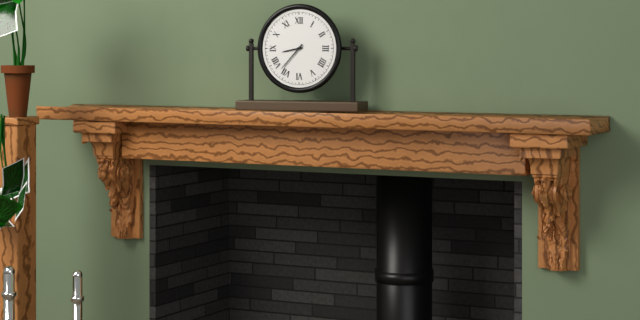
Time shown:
{"hour": 8, "minute": 37}
